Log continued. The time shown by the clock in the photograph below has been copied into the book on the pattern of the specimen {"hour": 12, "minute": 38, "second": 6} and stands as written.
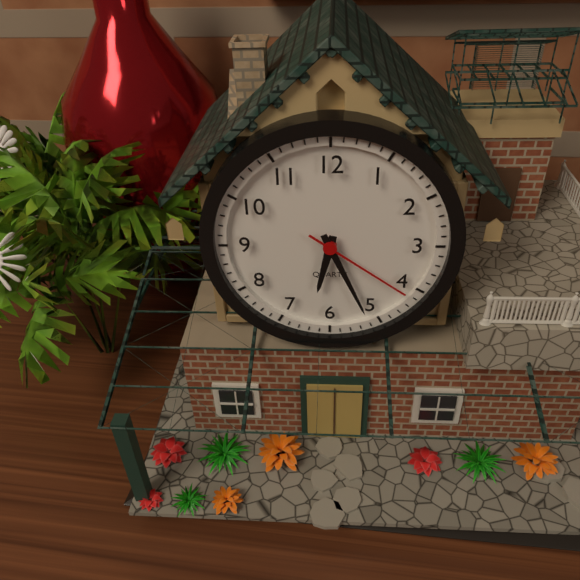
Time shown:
{"hour": 6, "minute": 26, "second": 21}
